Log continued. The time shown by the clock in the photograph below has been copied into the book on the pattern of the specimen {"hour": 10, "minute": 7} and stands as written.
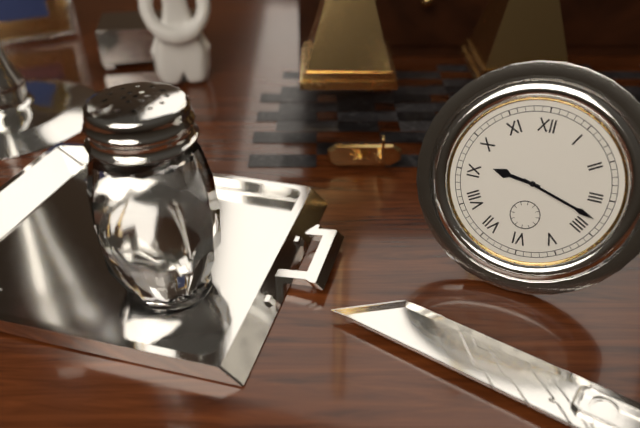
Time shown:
{"hour": 9, "minute": 18}
